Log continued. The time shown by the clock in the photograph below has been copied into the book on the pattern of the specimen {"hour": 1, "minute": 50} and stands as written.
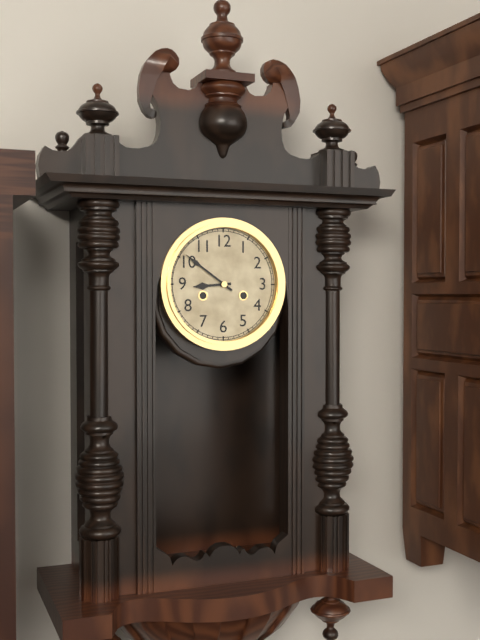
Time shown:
{"hour": 8, "minute": 51}
